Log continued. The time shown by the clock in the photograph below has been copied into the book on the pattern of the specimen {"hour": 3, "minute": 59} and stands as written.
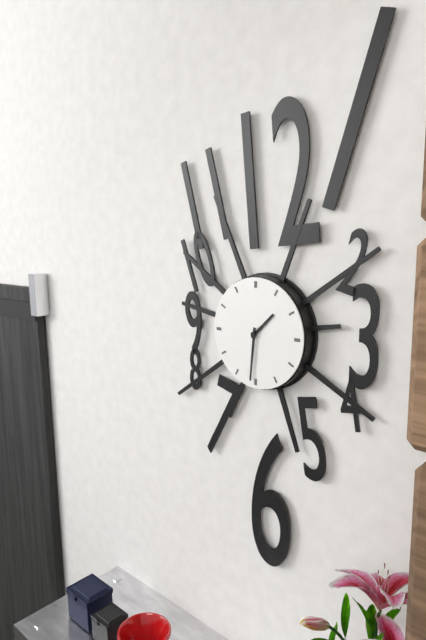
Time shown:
{"hour": 1, "minute": 31}
